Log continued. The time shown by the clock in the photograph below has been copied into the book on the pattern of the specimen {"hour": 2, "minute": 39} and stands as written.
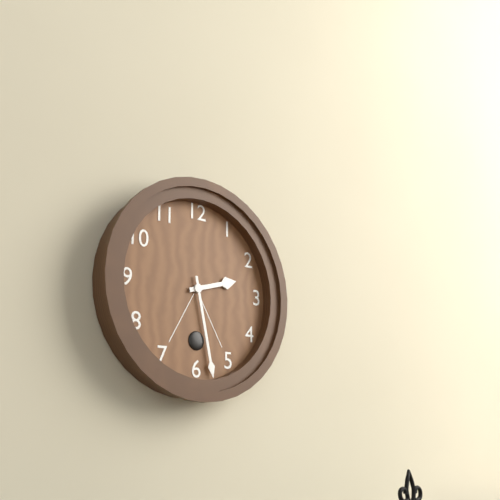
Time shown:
{"hour": 2, "minute": 28}
